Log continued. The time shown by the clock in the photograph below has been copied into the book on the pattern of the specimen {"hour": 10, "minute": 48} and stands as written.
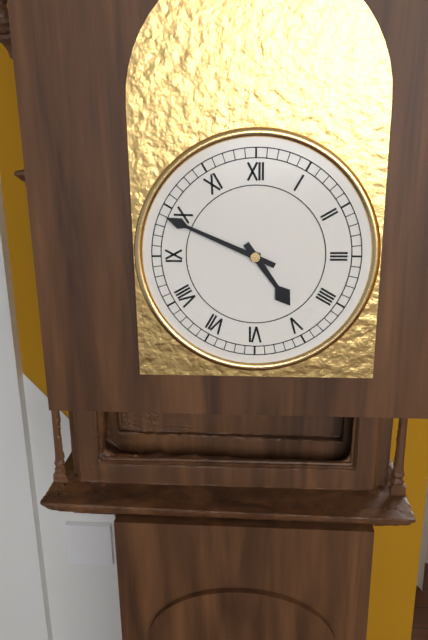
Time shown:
{"hour": 4, "minute": 49}
